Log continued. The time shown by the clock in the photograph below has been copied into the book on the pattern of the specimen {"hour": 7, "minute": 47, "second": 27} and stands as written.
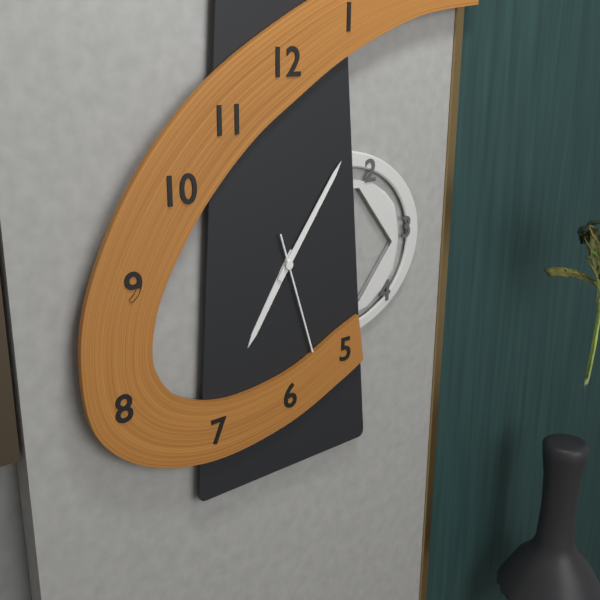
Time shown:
{"hour": 7, "minute": 6, "second": 27}
